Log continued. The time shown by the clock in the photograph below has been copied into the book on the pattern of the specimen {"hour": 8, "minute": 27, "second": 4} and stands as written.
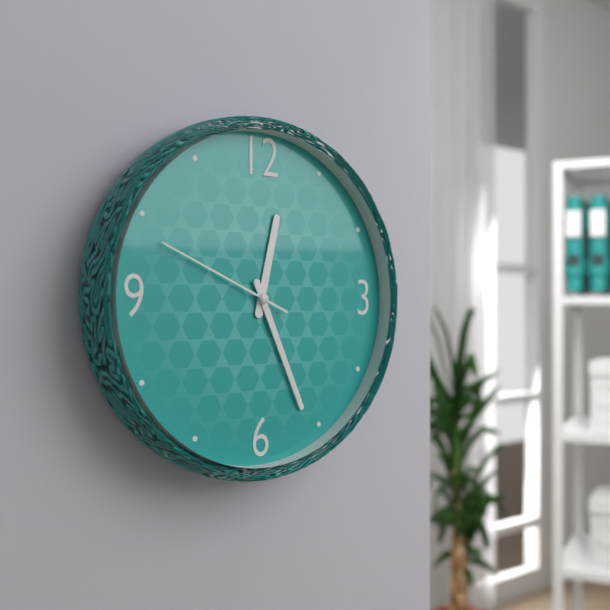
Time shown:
{"hour": 12, "minute": 26, "second": 49}
